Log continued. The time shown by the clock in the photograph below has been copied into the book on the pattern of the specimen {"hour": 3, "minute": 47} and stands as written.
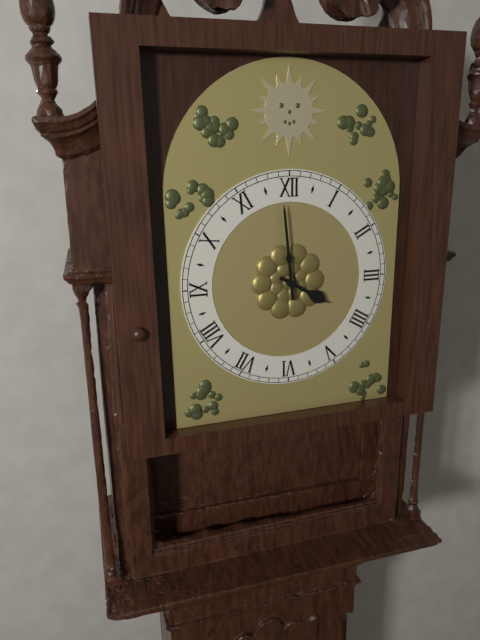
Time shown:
{"hour": 3, "minute": 59}
